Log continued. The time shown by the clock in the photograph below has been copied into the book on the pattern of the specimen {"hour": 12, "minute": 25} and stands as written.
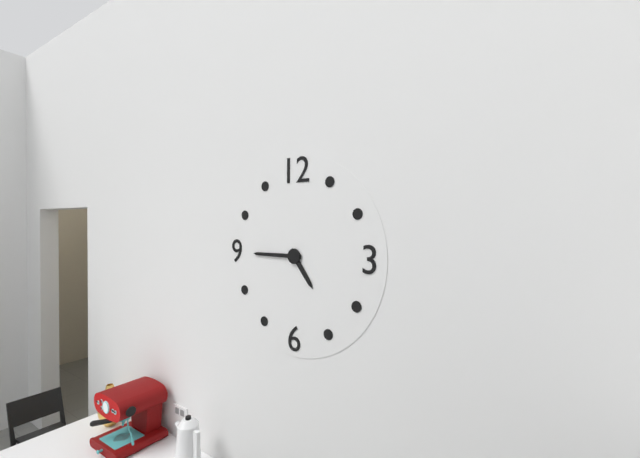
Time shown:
{"hour": 4, "minute": 45}
